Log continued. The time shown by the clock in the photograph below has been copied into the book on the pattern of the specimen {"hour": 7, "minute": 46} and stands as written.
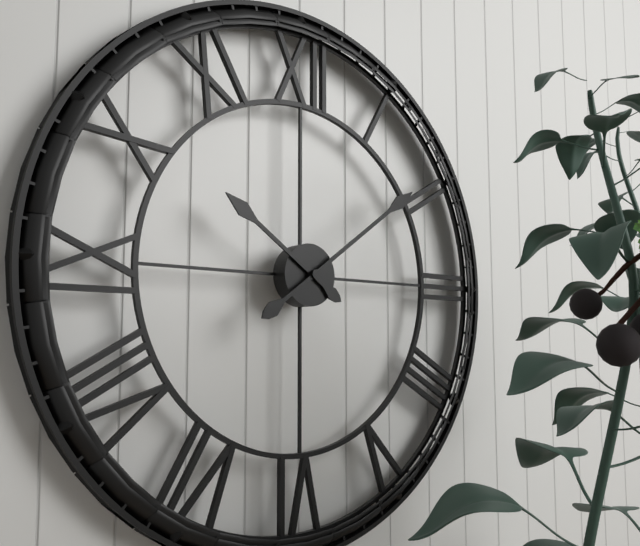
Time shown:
{"hour": 10, "minute": 9}
